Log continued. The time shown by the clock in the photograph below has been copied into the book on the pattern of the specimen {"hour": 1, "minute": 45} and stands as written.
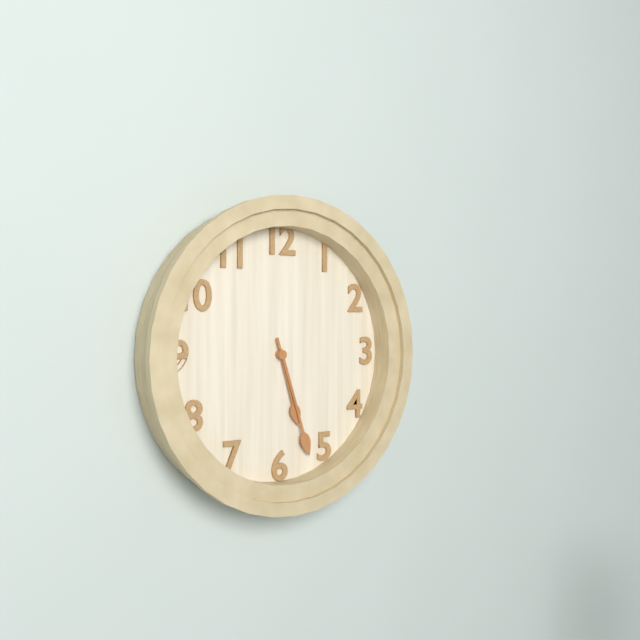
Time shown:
{"hour": 5, "minute": 27}
